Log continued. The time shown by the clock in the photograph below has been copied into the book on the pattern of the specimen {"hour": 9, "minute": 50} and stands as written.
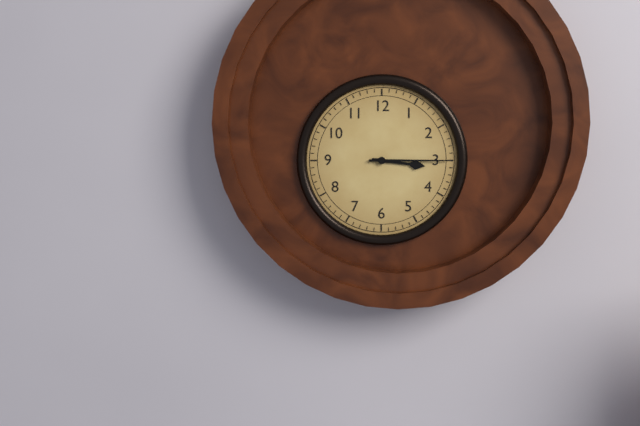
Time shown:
{"hour": 3, "minute": 15}
